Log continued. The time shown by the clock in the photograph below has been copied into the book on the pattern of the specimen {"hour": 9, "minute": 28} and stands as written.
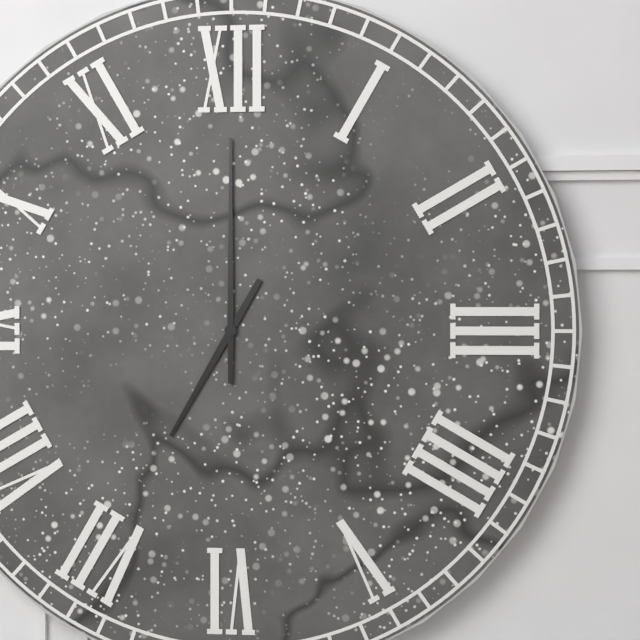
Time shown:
{"hour": 7, "minute": 0}
